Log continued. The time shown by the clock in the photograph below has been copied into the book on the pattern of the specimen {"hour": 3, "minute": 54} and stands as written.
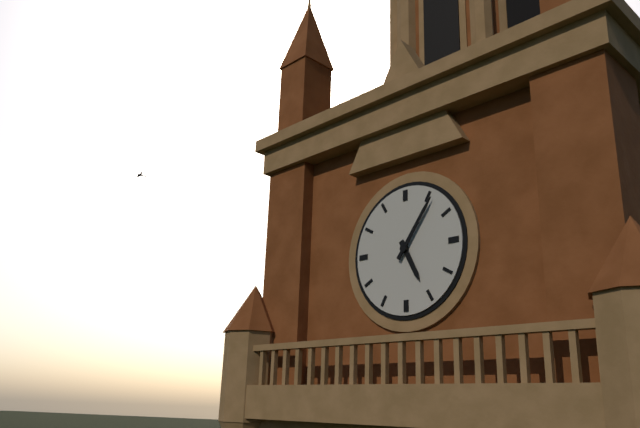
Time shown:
{"hour": 5, "minute": 6}
